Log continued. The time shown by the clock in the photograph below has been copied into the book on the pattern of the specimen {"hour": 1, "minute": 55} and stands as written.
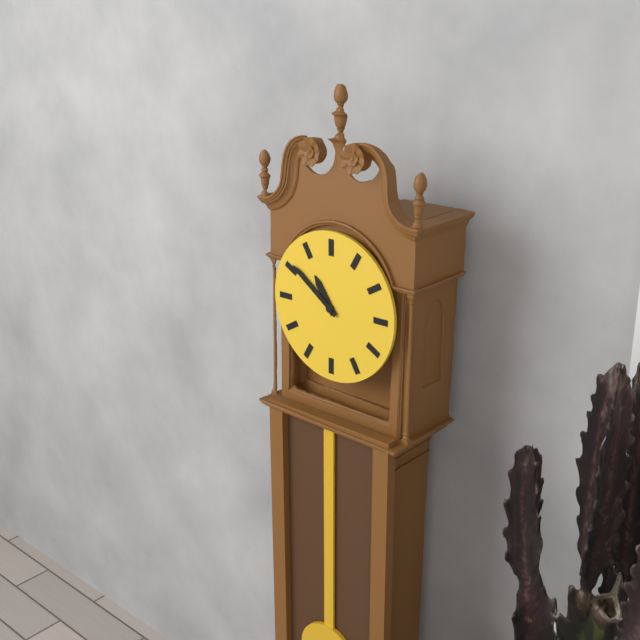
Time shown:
{"hour": 10, "minute": 51}
